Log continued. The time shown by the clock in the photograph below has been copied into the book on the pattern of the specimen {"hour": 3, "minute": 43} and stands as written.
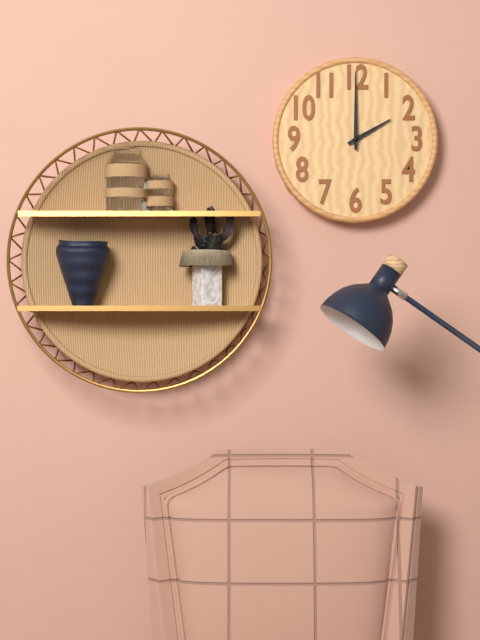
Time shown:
{"hour": 2, "minute": 0}
